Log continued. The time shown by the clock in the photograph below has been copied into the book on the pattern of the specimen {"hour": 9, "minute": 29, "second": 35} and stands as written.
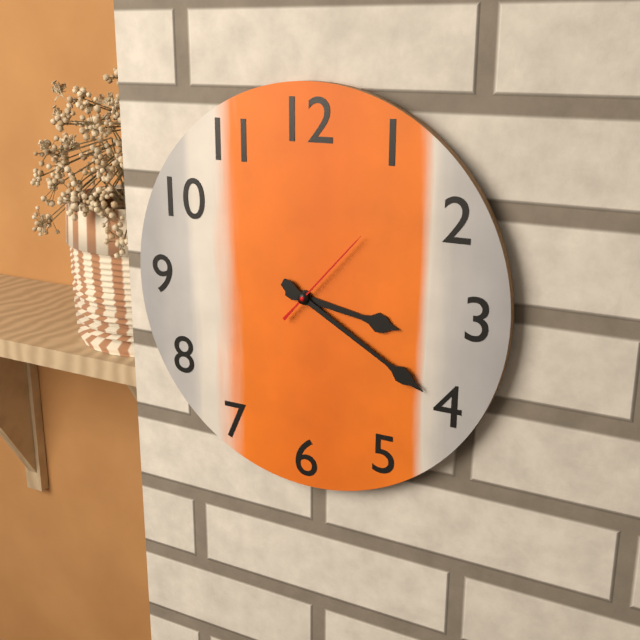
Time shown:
{"hour": 3, "minute": 20, "second": 7}
